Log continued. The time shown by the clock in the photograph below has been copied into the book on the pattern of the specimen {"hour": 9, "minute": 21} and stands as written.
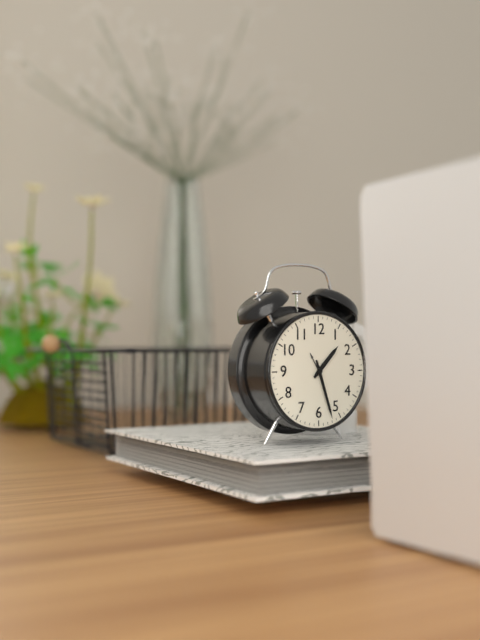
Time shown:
{"hour": 1, "minute": 27}
